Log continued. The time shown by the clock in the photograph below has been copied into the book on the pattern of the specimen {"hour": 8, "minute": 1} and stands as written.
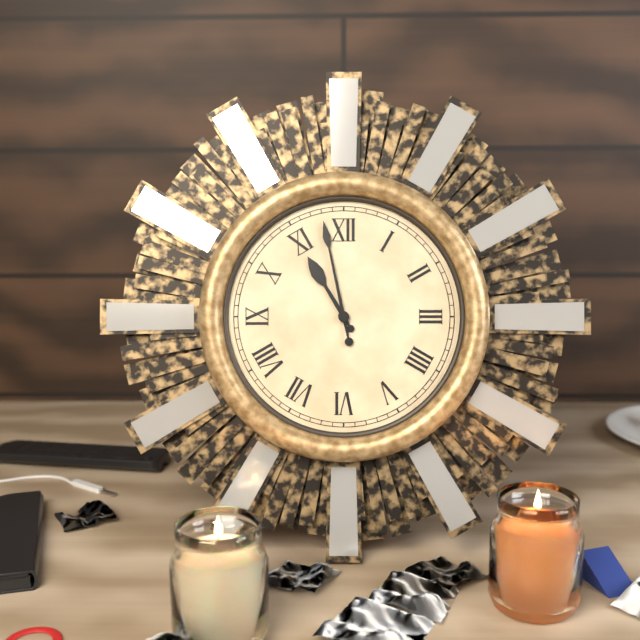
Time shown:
{"hour": 10, "minute": 58}
